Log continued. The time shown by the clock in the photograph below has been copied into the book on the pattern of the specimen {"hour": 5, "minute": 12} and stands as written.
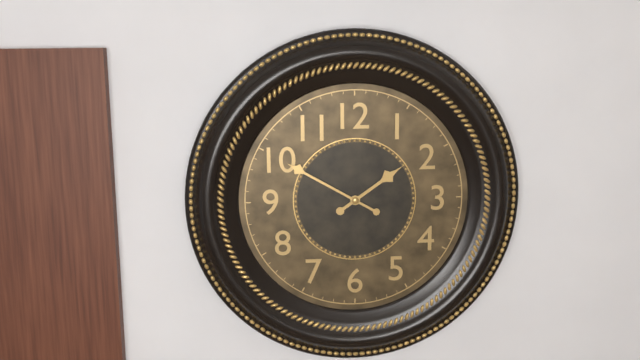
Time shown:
{"hour": 1, "minute": 50}
